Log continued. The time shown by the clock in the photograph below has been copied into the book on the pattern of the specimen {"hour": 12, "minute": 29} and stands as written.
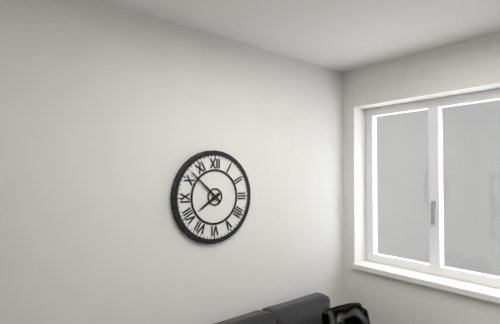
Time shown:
{"hour": 7, "minute": 52}
